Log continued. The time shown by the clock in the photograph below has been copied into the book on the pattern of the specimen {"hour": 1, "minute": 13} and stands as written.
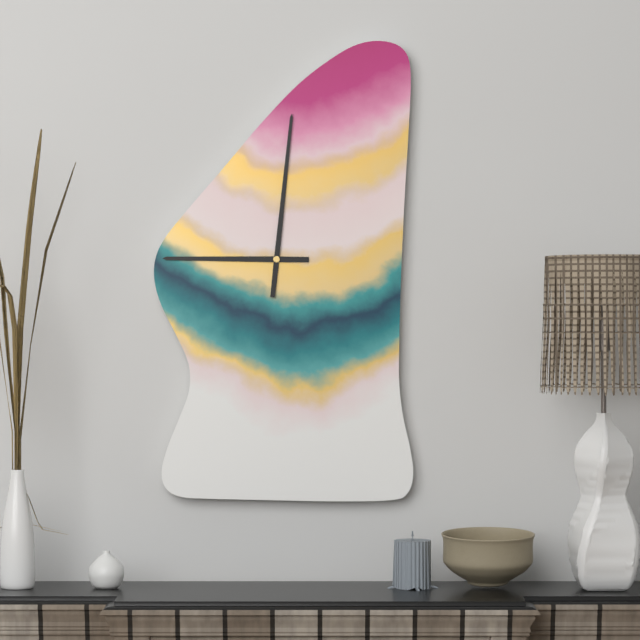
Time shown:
{"hour": 9, "minute": 1}
